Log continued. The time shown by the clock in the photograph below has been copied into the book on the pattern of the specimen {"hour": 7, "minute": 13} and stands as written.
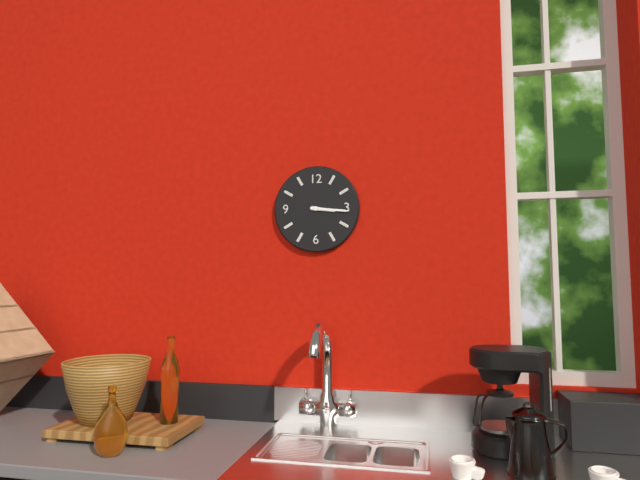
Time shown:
{"hour": 3, "minute": 16}
